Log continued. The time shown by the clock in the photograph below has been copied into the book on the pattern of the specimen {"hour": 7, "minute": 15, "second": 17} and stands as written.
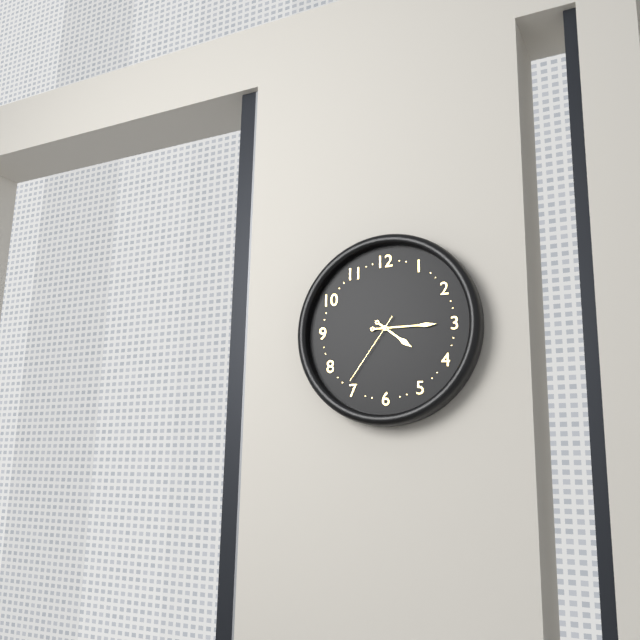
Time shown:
{"hour": 4, "minute": 15, "second": 36}
